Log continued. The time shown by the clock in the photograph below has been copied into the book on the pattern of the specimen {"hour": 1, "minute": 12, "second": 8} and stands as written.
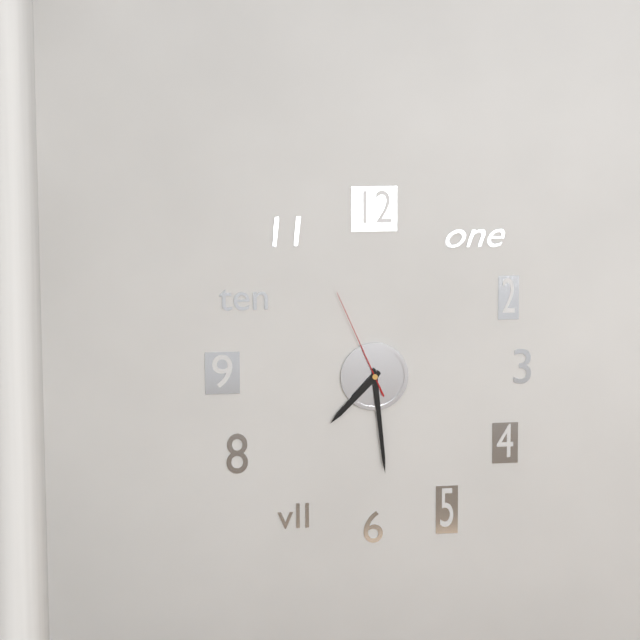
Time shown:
{"hour": 7, "minute": 29, "second": 56}
